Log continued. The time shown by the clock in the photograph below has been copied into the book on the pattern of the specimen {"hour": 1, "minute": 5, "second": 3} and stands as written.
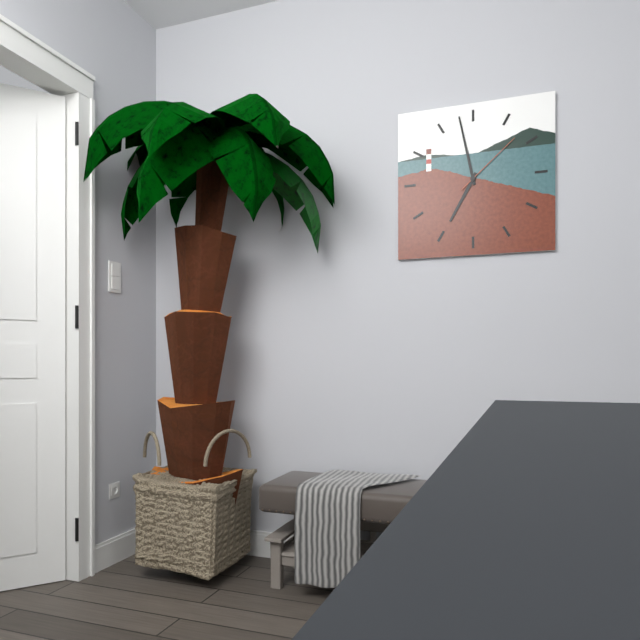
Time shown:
{"hour": 6, "minute": 58, "second": 8}
